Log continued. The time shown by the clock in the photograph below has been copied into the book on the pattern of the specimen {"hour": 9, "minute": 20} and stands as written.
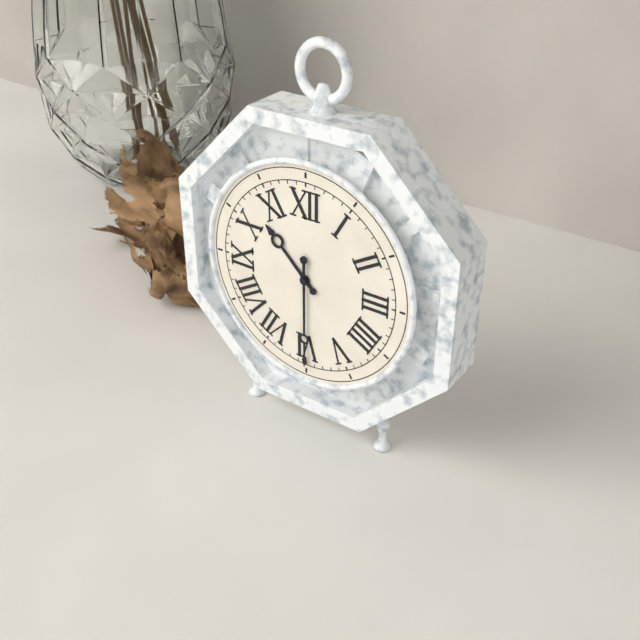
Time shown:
{"hour": 10, "minute": 30}
